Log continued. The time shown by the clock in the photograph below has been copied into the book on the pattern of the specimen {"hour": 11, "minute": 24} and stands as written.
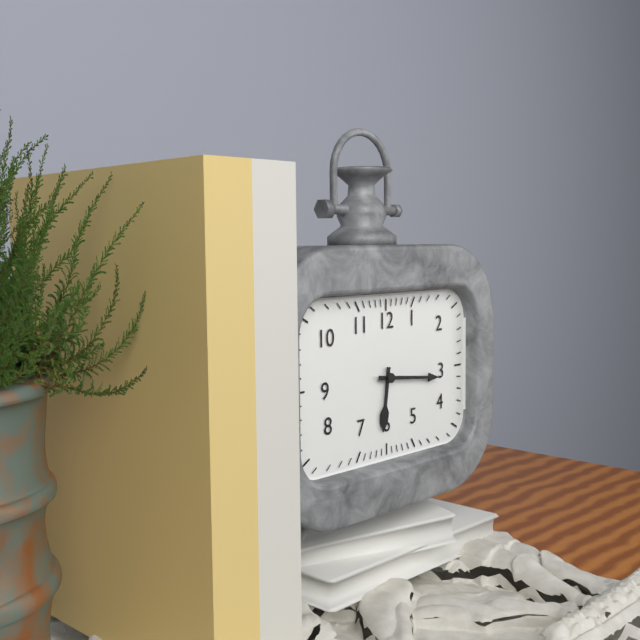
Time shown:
{"hour": 6, "minute": 16}
